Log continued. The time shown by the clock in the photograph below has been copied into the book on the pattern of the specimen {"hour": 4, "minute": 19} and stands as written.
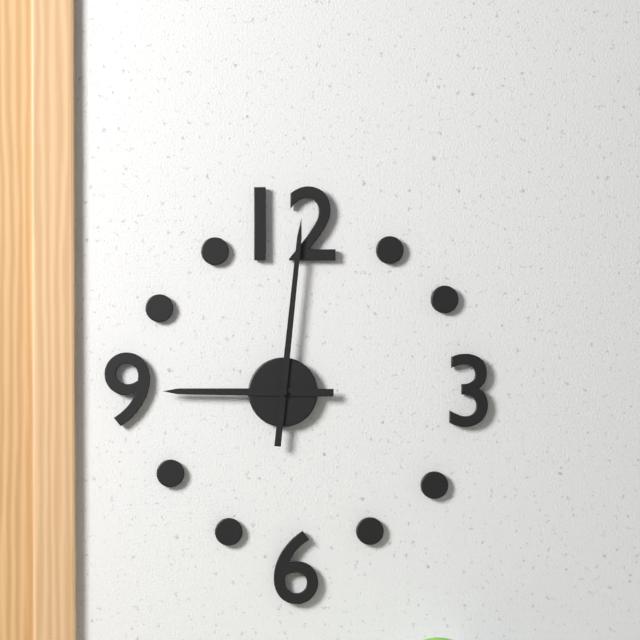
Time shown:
{"hour": 9, "minute": 1}
